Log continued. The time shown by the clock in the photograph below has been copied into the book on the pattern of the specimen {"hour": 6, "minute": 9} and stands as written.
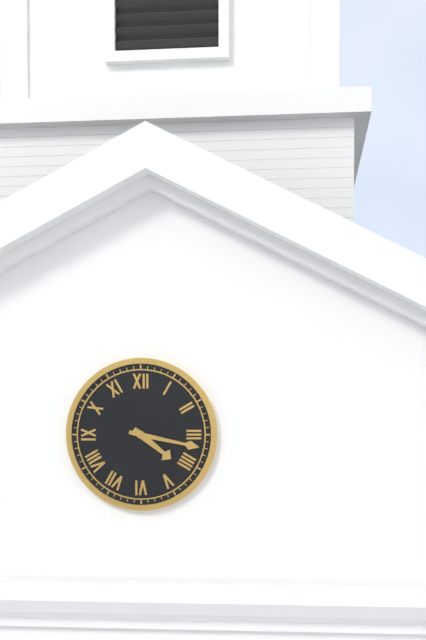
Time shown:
{"hour": 4, "minute": 17}
